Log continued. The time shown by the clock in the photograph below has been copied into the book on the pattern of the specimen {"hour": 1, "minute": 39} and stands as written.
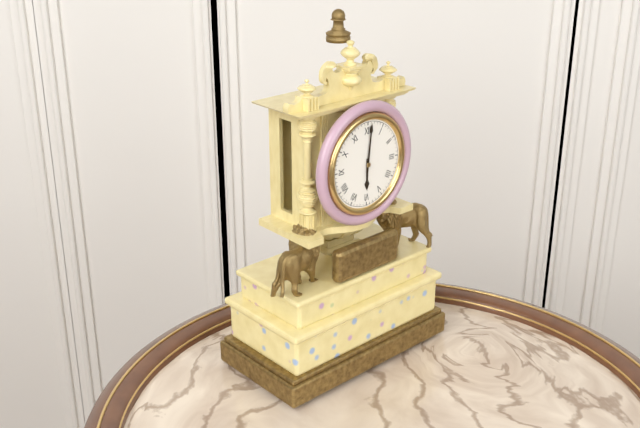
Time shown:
{"hour": 6, "minute": 1}
